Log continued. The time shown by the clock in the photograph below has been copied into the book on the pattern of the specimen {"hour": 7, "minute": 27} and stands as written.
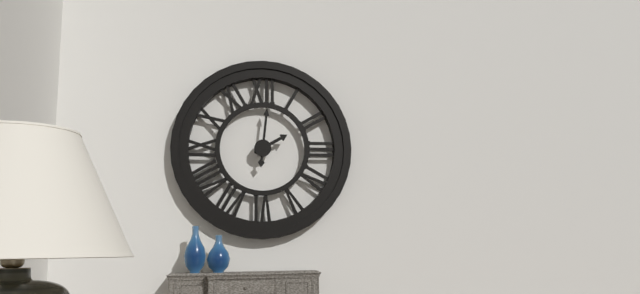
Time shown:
{"hour": 2, "minute": 1}
